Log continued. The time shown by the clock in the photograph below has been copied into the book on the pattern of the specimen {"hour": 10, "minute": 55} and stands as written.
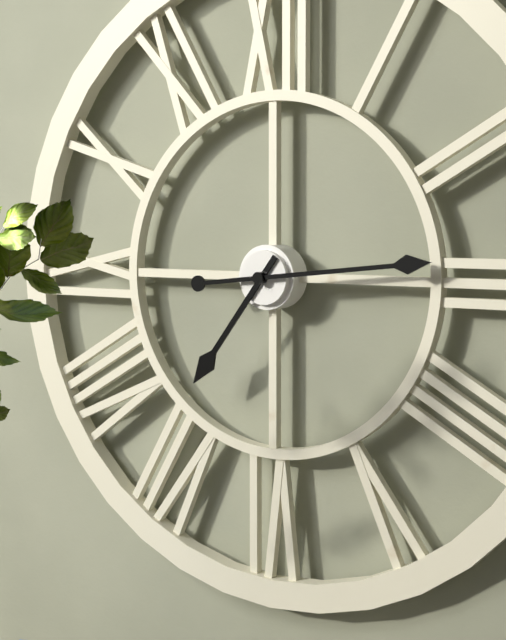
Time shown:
{"hour": 7, "minute": 14}
